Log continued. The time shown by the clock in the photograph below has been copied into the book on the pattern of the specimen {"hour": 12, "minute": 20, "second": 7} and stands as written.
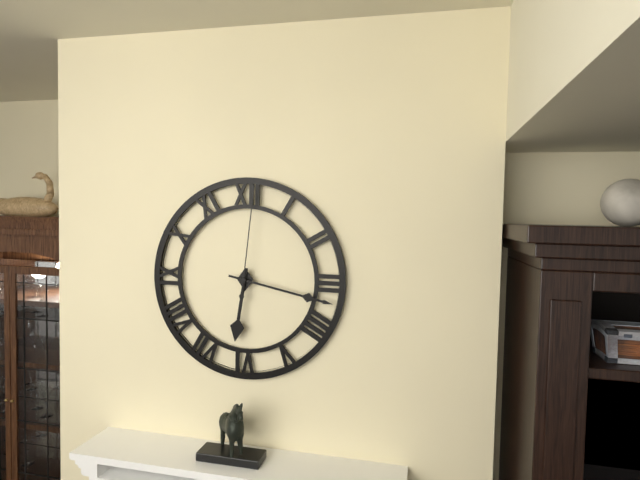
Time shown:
{"hour": 6, "minute": 17, "second": 1}
